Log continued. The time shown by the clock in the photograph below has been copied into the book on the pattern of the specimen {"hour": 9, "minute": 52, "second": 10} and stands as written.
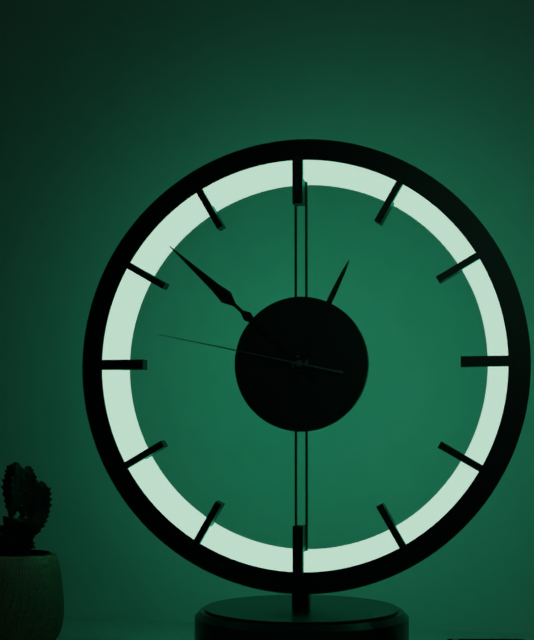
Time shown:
{"hour": 12, "minute": 52, "second": 47}
